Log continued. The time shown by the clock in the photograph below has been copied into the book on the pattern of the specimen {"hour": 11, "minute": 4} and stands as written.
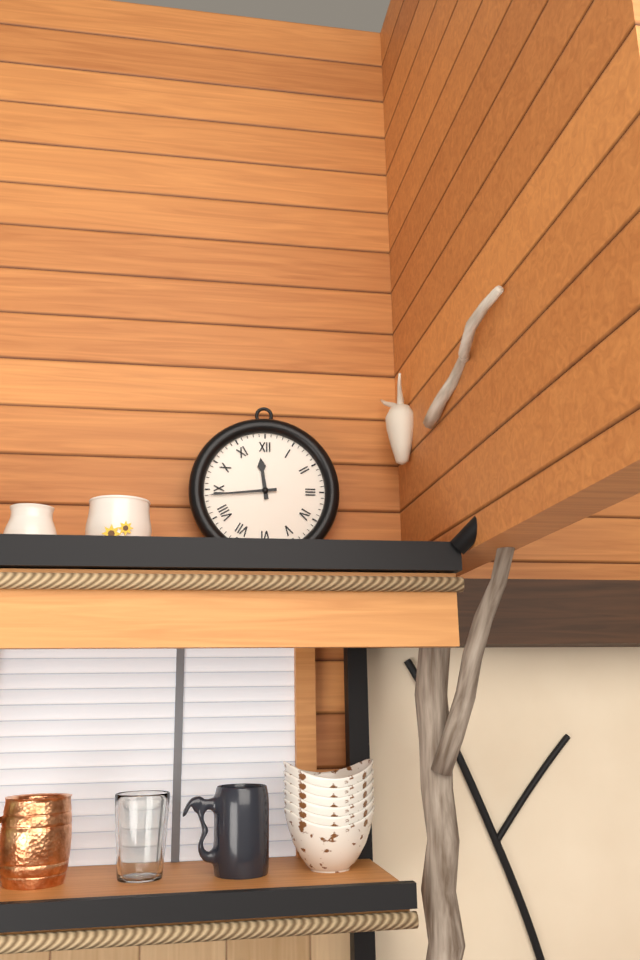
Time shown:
{"hour": 11, "minute": 44}
